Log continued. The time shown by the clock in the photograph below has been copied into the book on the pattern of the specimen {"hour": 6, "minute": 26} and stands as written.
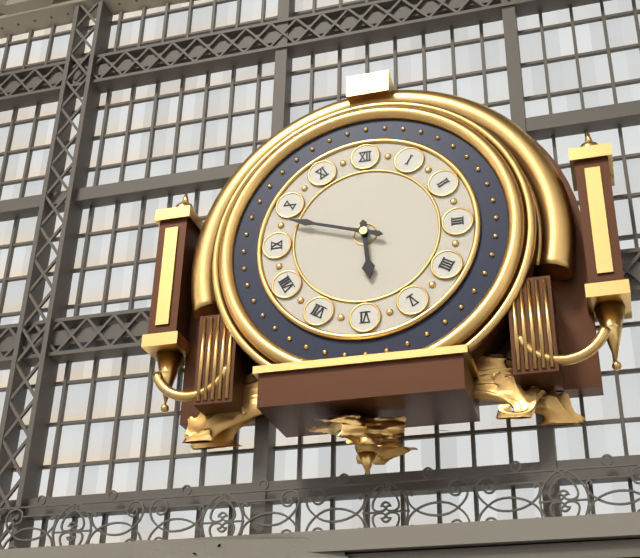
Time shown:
{"hour": 5, "minute": 48}
